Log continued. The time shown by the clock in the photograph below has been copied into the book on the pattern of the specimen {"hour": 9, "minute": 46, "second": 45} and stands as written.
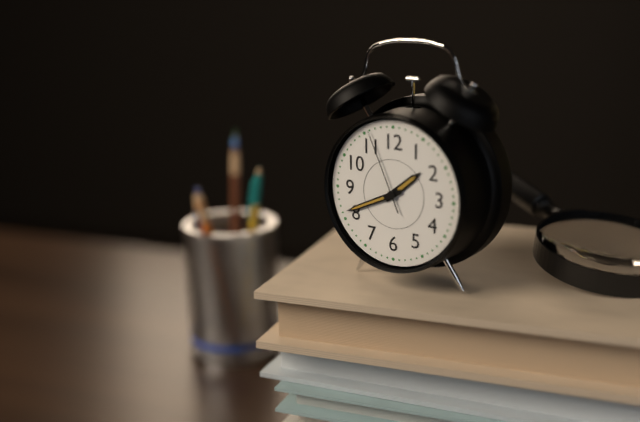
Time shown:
{"hour": 1, "minute": 41, "second": 56}
